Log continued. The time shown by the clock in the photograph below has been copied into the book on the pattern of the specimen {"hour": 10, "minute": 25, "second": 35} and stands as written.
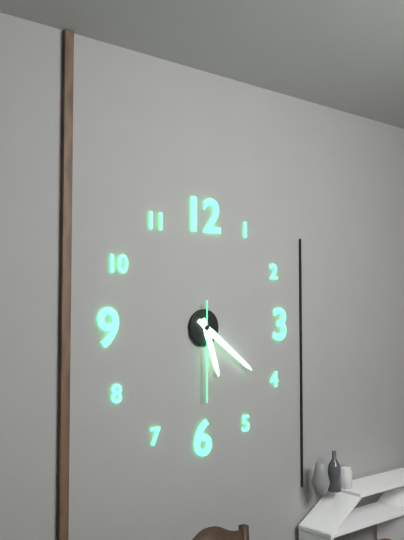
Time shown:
{"hour": 5, "minute": 21, "second": 30}
